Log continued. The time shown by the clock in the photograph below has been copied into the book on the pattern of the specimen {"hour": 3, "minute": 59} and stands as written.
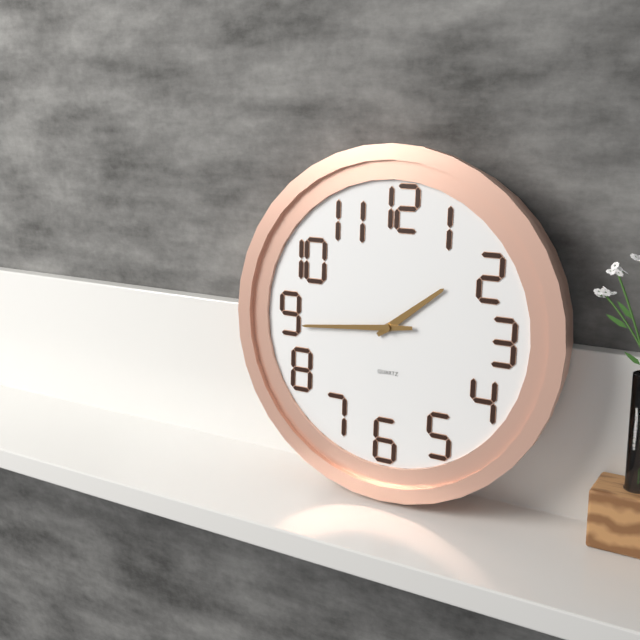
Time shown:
{"hour": 1, "minute": 44}
